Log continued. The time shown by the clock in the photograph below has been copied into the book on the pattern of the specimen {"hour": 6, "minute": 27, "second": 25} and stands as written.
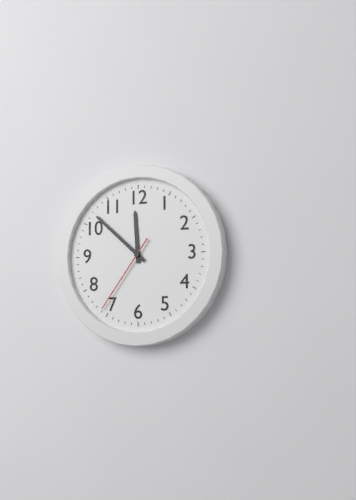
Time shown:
{"hour": 11, "minute": 52, "second": 36}
